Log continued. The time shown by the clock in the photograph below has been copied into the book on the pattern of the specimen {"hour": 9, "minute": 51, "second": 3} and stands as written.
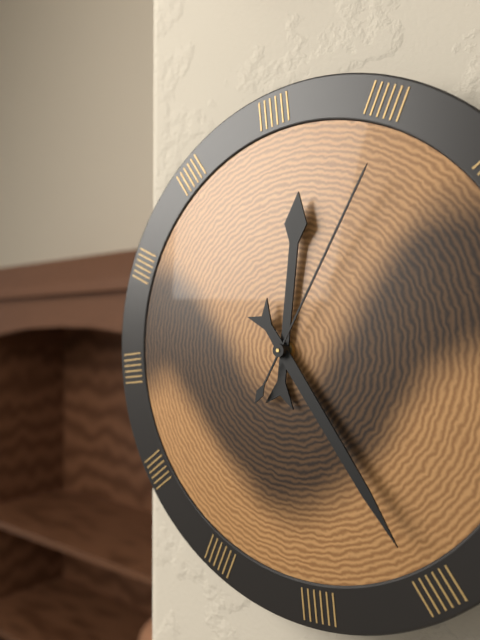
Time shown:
{"hour": 12, "minute": 25, "second": 6}
